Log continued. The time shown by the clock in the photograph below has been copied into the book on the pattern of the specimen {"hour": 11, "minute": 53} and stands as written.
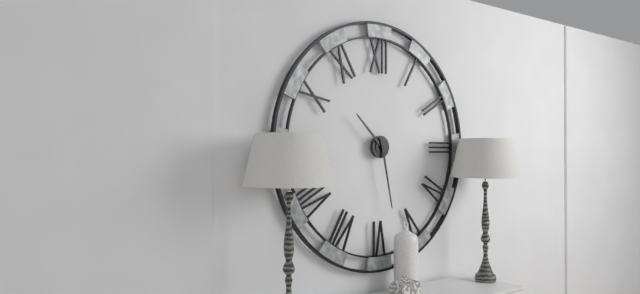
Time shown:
{"hour": 10, "minute": 28}
